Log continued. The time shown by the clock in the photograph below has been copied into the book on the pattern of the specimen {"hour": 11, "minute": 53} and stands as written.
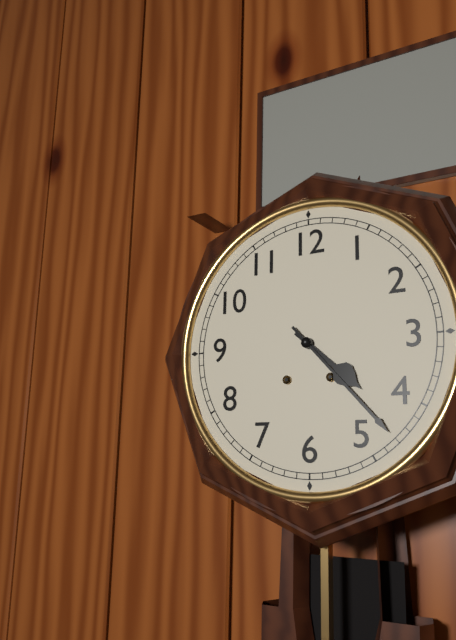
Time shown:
{"hour": 4, "minute": 23}
